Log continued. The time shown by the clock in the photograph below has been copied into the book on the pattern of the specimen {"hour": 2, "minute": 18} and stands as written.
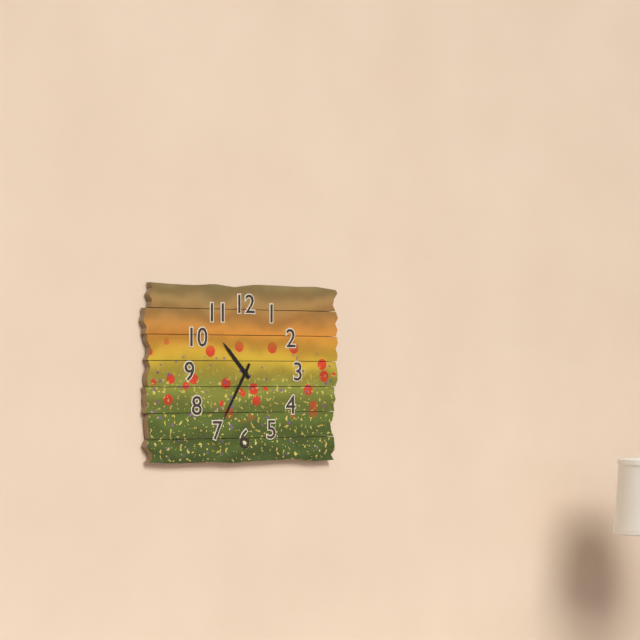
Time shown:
{"hour": 10, "minute": 35}
